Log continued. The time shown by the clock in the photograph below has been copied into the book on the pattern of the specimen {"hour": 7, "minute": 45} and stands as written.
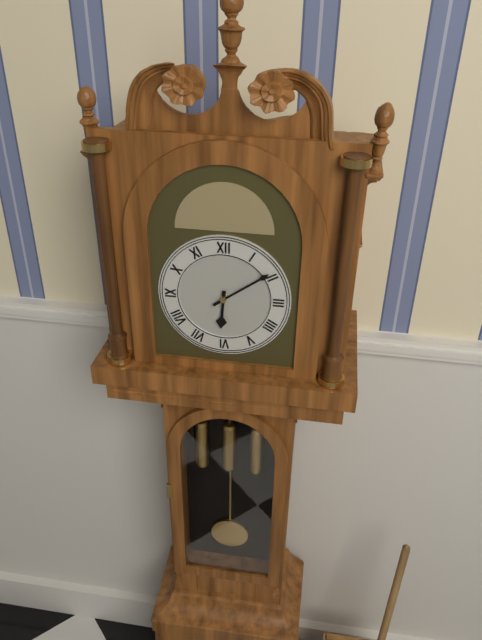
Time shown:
{"hour": 6, "minute": 9}
